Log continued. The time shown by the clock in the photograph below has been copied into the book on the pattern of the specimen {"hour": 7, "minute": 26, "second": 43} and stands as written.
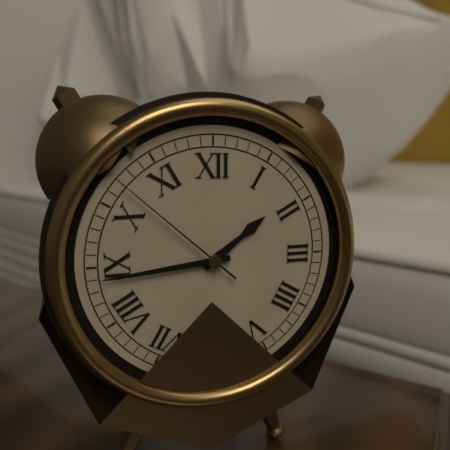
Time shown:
{"hour": 1, "minute": 44, "second": 52}
